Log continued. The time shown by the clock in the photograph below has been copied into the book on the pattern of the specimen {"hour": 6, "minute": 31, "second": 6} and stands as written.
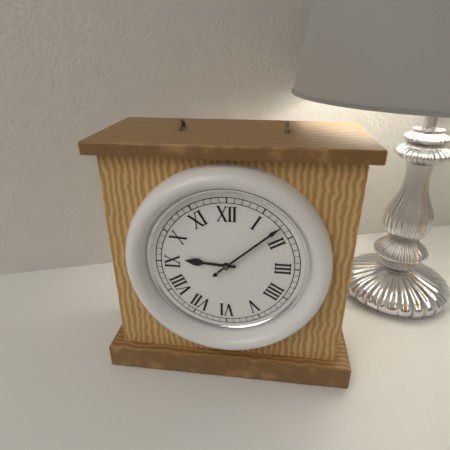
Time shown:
{"hour": 9, "minute": 8, "second": 8}
